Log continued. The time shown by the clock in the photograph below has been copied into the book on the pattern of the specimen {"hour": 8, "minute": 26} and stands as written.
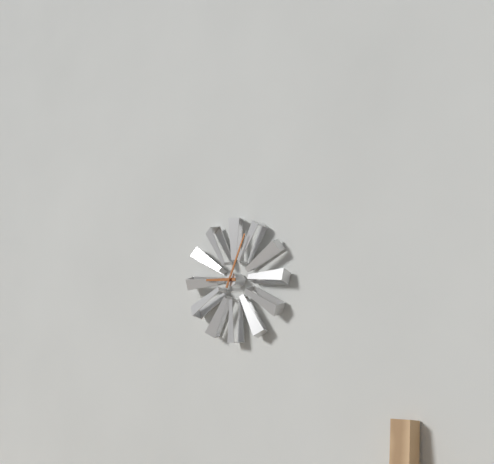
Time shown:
{"hour": 9, "minute": 4}
